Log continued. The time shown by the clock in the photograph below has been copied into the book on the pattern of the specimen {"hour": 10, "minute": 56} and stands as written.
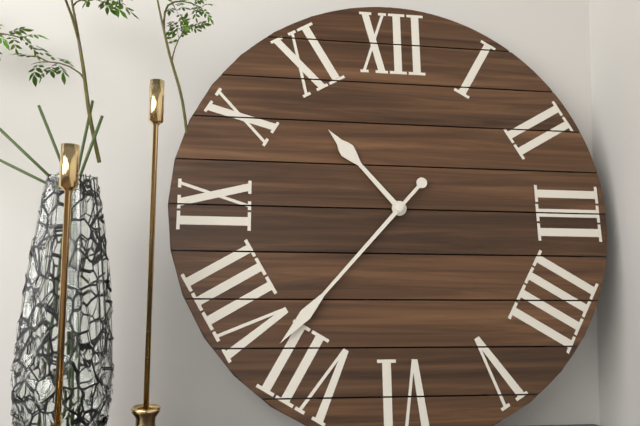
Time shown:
{"hour": 10, "minute": 37}
